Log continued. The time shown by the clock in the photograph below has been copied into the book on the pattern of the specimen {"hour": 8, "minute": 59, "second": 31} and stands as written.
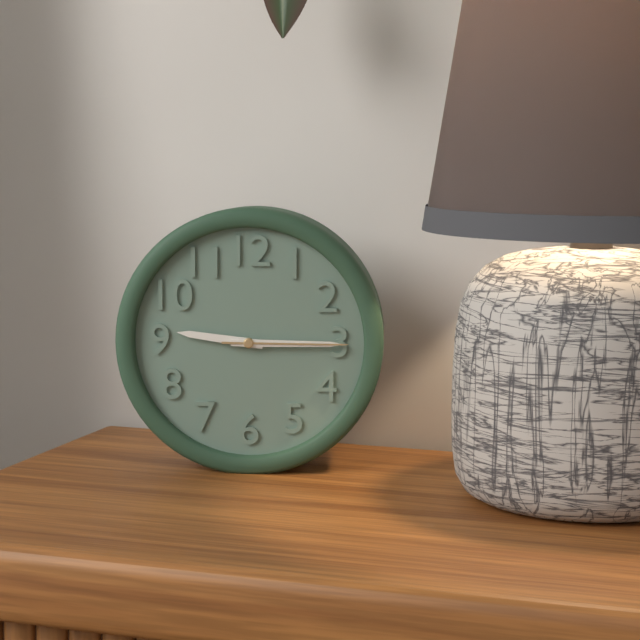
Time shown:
{"hour": 9, "minute": 15, "second": 15}
